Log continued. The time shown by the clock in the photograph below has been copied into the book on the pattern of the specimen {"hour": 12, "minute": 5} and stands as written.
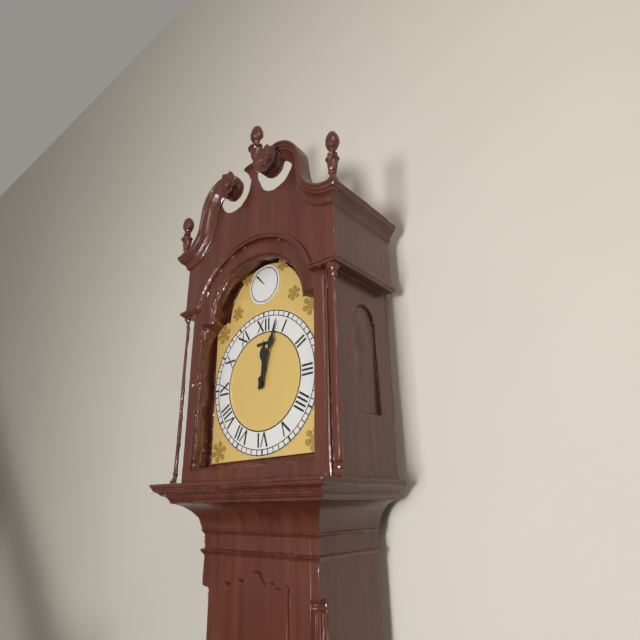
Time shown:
{"hour": 12, "minute": 3}
